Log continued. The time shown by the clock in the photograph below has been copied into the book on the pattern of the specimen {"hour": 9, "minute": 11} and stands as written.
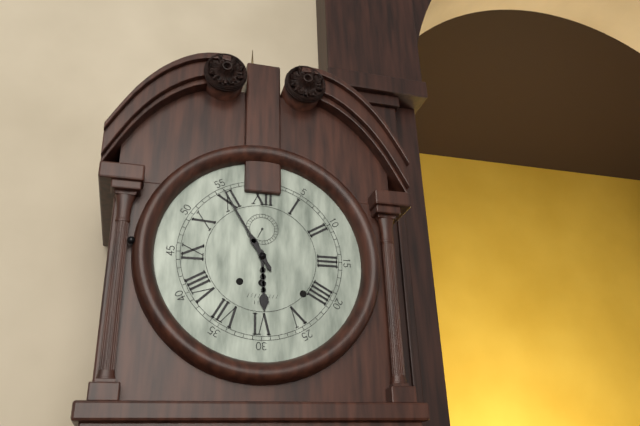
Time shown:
{"hour": 5, "minute": 55}
